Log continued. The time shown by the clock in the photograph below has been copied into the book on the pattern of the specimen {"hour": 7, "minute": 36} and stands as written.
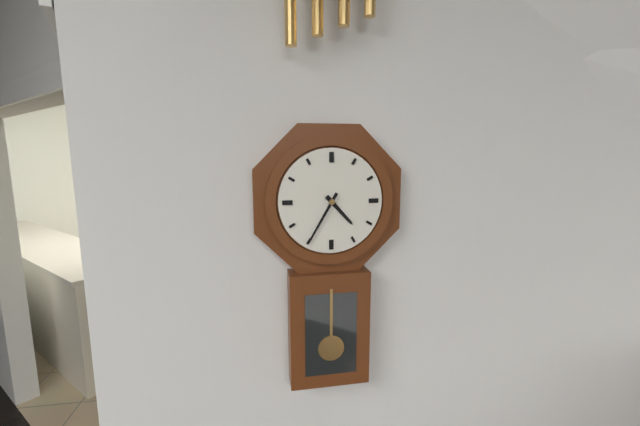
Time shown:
{"hour": 4, "minute": 35}
